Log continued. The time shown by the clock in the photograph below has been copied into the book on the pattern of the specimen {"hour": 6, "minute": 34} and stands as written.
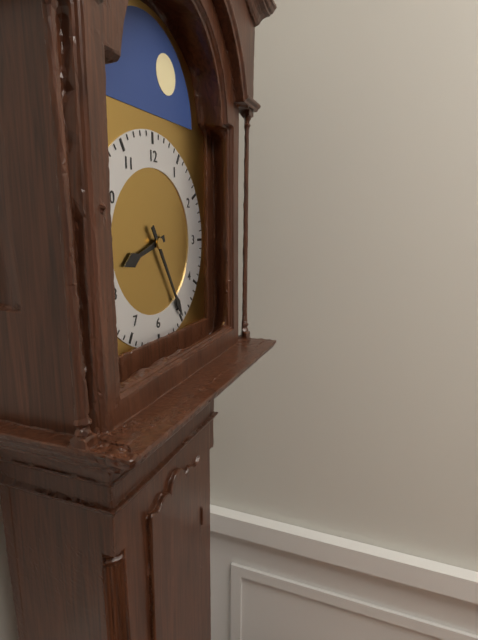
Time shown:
{"hour": 8, "minute": 25}
